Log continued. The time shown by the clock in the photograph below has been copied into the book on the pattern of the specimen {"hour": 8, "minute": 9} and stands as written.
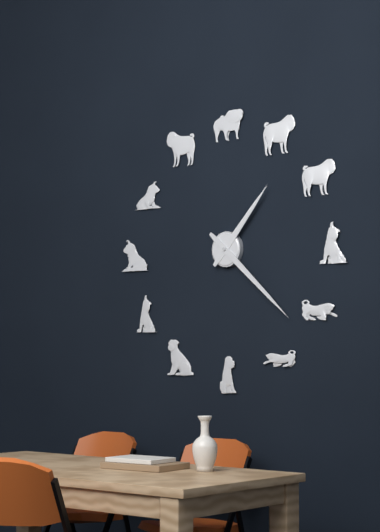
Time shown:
{"hour": 1, "minute": 22}
